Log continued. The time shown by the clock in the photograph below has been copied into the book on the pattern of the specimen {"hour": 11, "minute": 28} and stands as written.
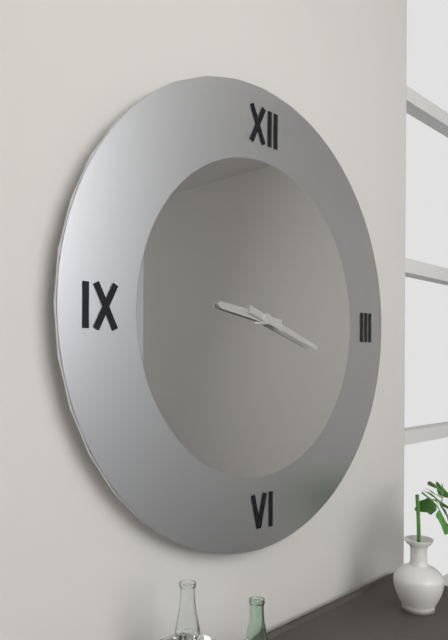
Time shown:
{"hour": 9, "minute": 18}
